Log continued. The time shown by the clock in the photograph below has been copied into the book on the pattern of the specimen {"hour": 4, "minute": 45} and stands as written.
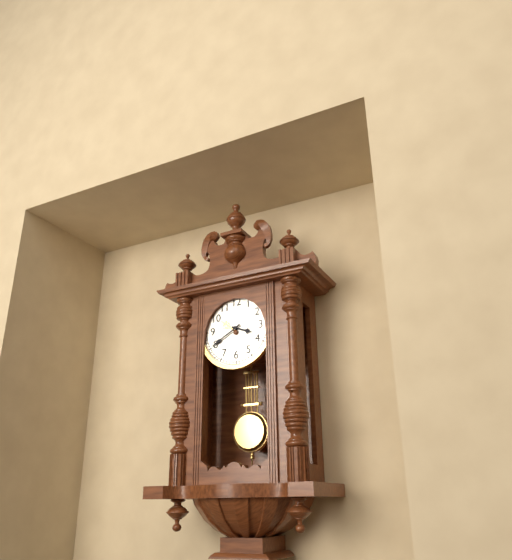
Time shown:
{"hour": 3, "minute": 40}
